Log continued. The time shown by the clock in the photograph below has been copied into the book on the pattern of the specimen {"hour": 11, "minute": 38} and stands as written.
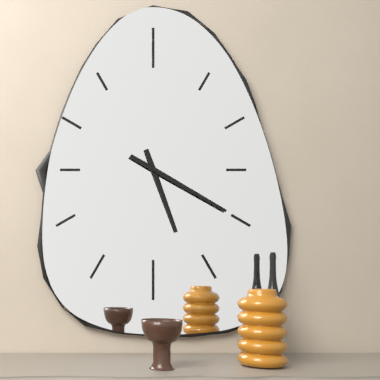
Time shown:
{"hour": 5, "minute": 20}
